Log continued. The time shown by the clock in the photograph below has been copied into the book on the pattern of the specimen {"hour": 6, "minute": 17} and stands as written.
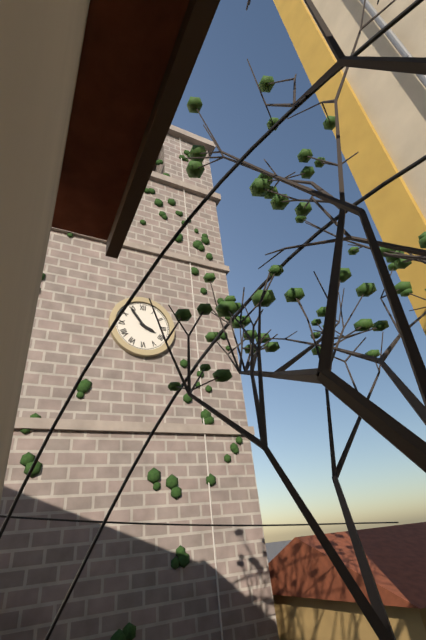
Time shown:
{"hour": 3, "minute": 54}
